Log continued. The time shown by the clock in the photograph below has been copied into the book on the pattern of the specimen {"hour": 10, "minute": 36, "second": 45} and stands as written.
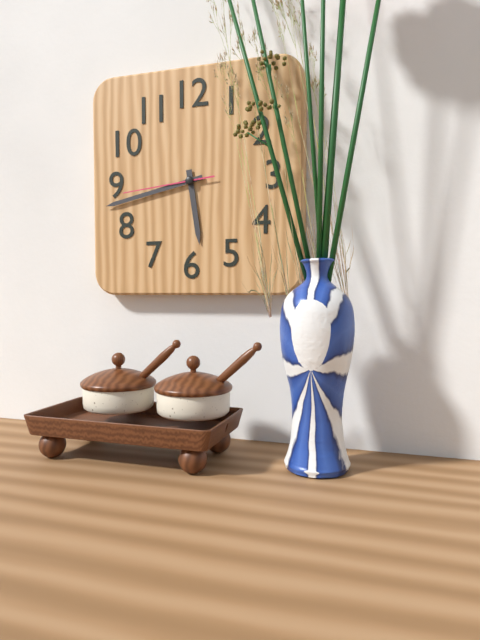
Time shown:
{"hour": 5, "minute": 43, "second": 44}
